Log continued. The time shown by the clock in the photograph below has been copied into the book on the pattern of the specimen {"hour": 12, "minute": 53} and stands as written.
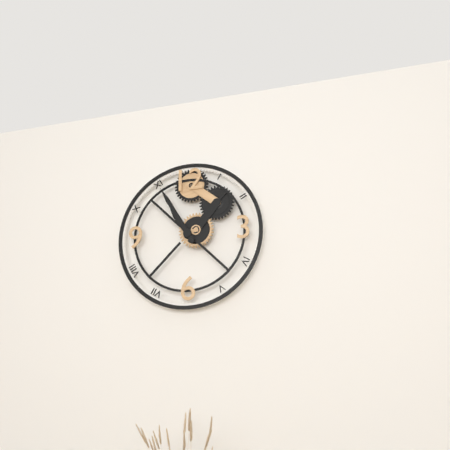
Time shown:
{"hour": 10, "minute": 55}
